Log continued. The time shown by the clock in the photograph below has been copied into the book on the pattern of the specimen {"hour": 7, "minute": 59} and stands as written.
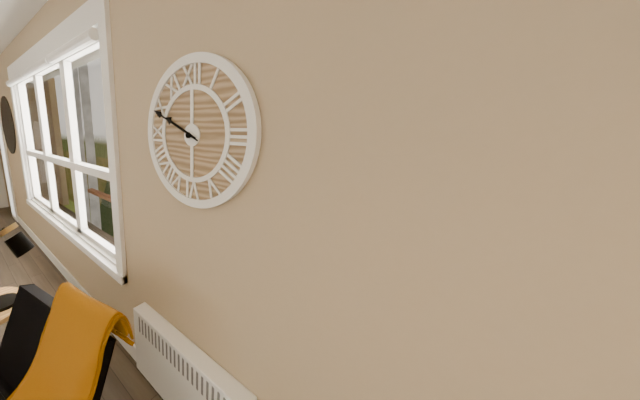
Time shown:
{"hour": 9, "minute": 49}
